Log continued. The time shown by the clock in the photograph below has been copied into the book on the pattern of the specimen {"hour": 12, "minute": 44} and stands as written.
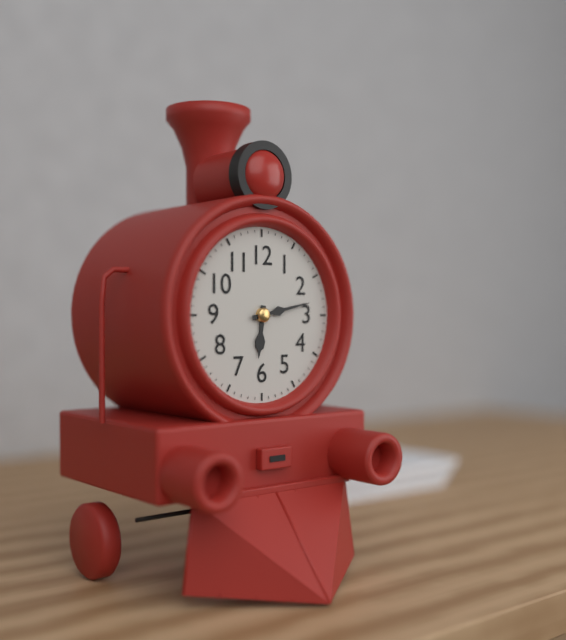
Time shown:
{"hour": 6, "minute": 13}
